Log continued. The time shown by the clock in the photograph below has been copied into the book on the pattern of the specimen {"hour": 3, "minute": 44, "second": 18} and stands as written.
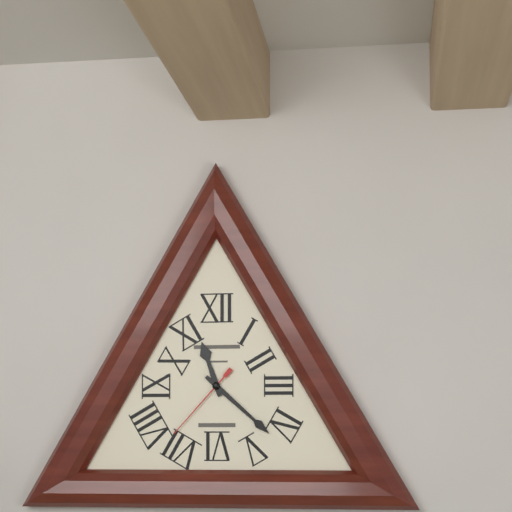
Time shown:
{"hour": 11, "minute": 22, "second": 37}
